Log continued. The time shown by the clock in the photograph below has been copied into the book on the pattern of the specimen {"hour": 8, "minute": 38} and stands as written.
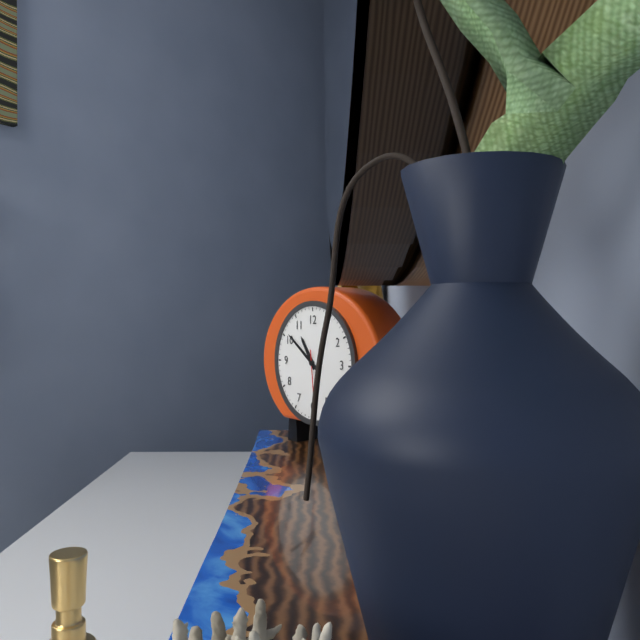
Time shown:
{"hour": 10, "minute": 51}
